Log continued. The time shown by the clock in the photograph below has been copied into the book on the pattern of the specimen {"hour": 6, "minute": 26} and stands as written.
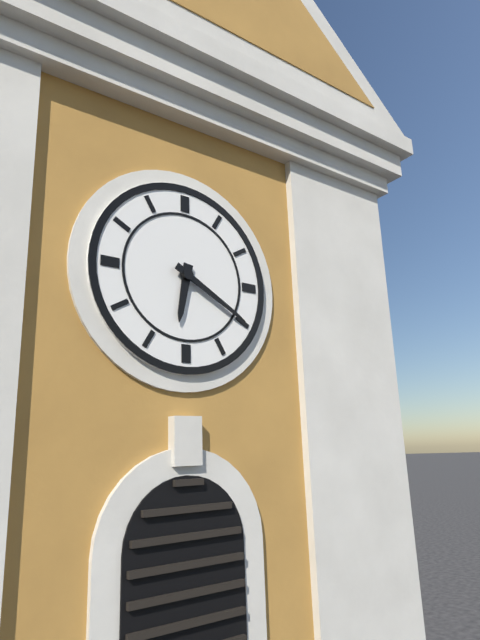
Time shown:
{"hour": 6, "minute": 20}
